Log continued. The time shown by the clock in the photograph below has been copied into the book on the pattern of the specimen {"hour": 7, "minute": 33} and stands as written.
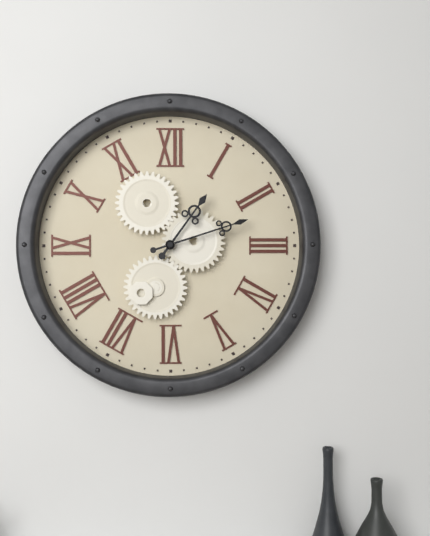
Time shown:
{"hour": 1, "minute": 12}
